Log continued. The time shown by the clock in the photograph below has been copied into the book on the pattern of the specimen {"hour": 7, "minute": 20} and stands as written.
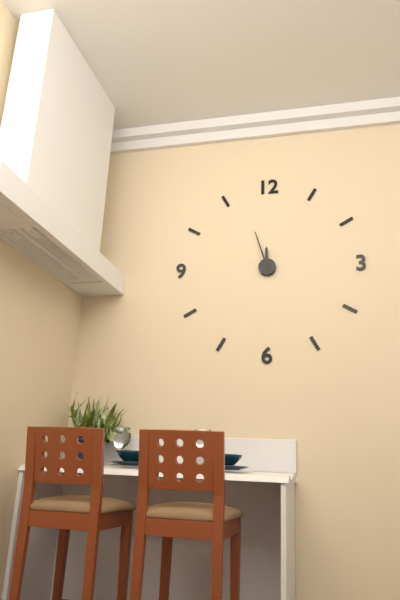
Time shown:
{"hour": 11, "minute": 57}
